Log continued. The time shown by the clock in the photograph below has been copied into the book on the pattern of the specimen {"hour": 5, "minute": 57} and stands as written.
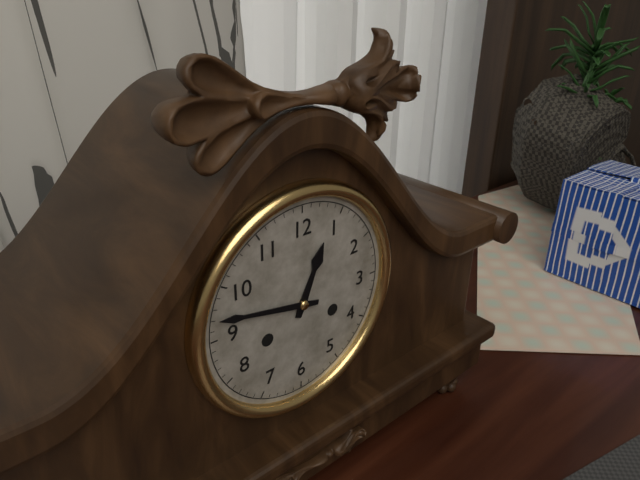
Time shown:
{"hour": 12, "minute": 47}
